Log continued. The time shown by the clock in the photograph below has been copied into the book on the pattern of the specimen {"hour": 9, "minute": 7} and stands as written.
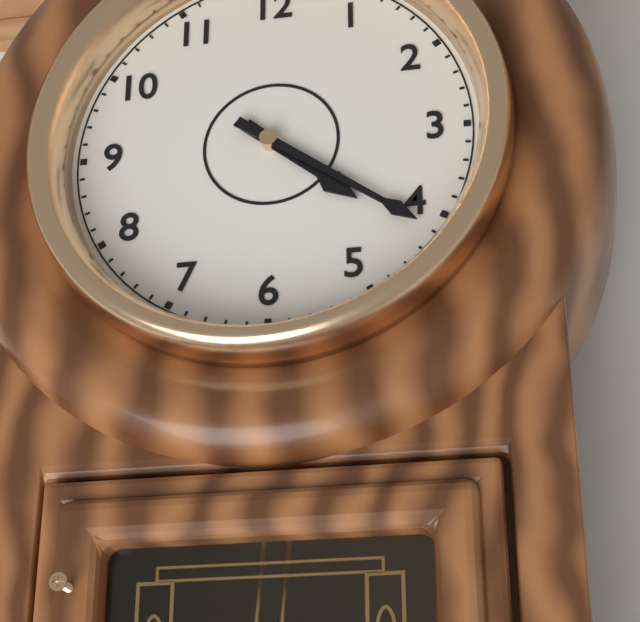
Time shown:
{"hour": 4, "minute": 21}
